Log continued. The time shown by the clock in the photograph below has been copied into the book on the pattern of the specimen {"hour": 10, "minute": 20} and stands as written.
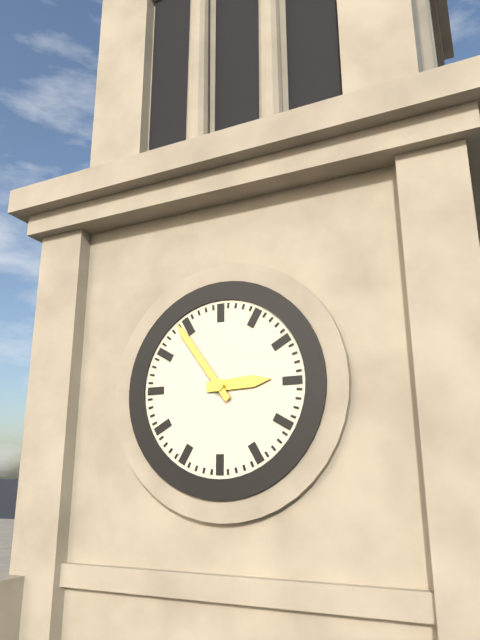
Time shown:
{"hour": 2, "minute": 54}
